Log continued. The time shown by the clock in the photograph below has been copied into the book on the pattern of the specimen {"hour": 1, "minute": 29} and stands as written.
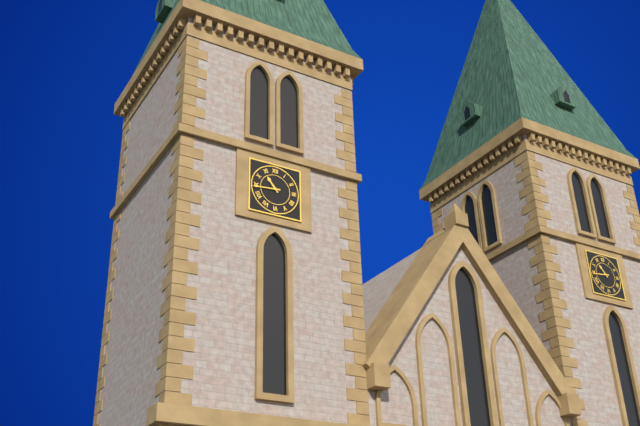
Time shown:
{"hour": 10, "minute": 44}
